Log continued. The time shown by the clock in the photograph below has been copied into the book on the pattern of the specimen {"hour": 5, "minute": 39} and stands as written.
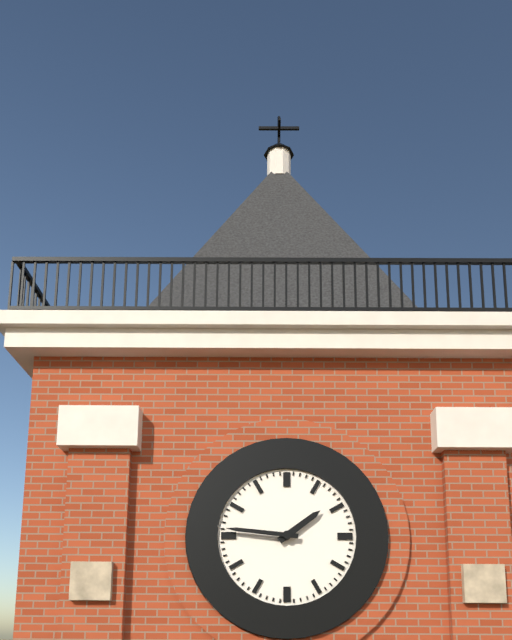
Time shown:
{"hour": 1, "minute": 46}
